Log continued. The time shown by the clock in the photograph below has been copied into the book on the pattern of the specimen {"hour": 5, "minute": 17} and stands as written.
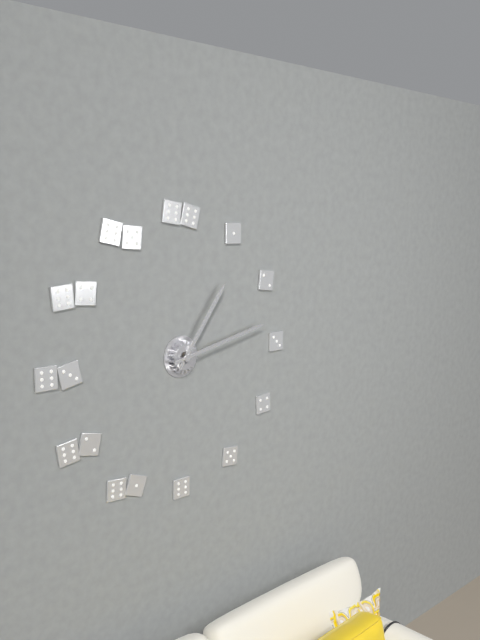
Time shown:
{"hour": 1, "minute": 13}
